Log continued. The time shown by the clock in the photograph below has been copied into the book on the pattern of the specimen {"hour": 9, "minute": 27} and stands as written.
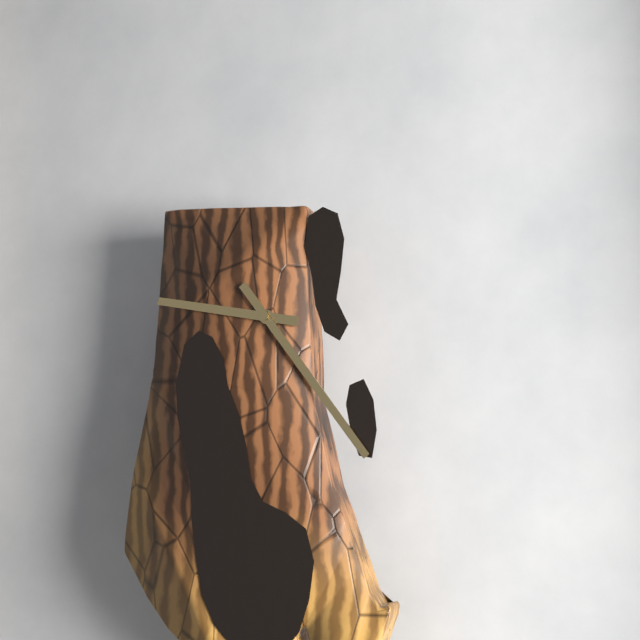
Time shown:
{"hour": 9, "minute": 24}
